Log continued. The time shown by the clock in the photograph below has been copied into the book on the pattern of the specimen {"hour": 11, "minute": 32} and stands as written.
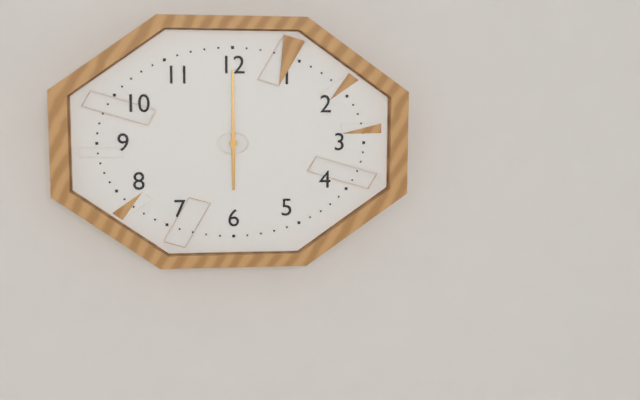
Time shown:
{"hour": 6, "minute": 0}
